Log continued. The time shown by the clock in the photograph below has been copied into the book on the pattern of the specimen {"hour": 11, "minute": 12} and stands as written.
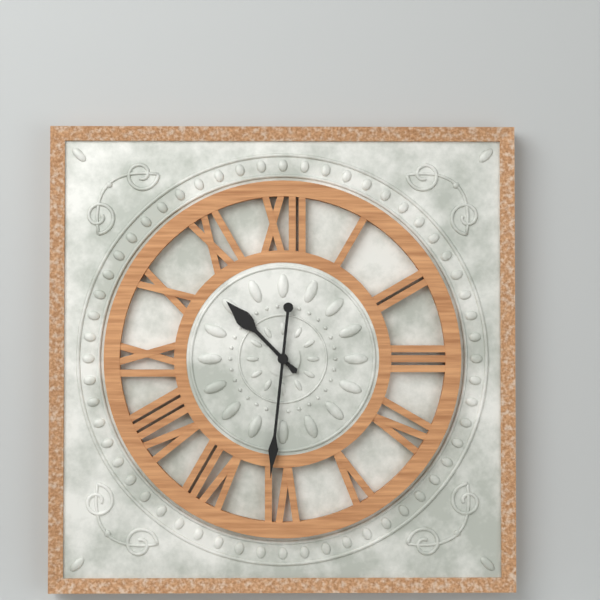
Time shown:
{"hour": 10, "minute": 31}
